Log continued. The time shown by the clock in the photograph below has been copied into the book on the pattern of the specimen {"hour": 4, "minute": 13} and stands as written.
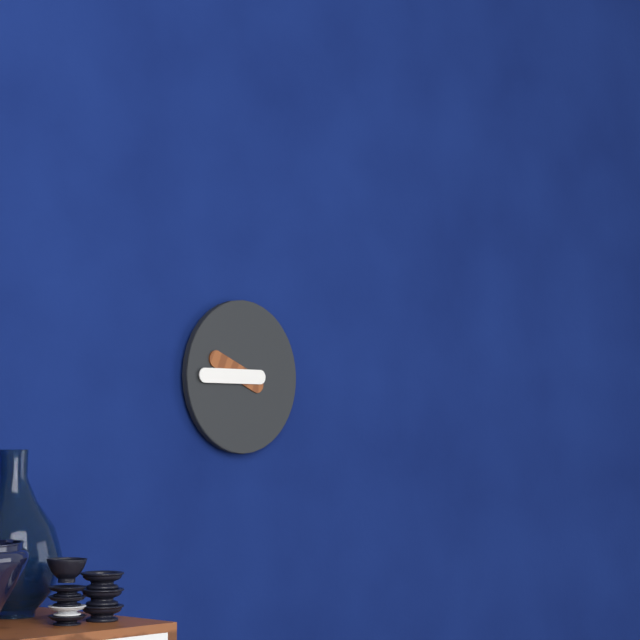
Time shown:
{"hour": 9, "minute": 45}
